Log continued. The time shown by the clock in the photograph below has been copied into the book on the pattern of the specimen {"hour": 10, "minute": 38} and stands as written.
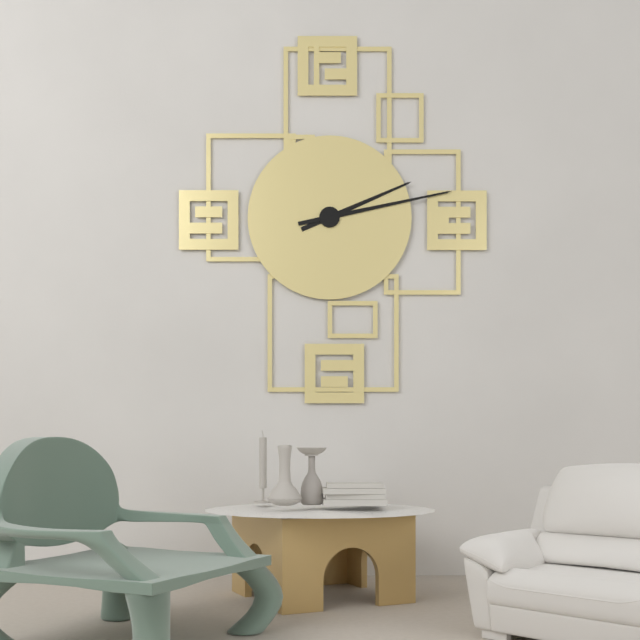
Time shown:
{"hour": 2, "minute": 13}
